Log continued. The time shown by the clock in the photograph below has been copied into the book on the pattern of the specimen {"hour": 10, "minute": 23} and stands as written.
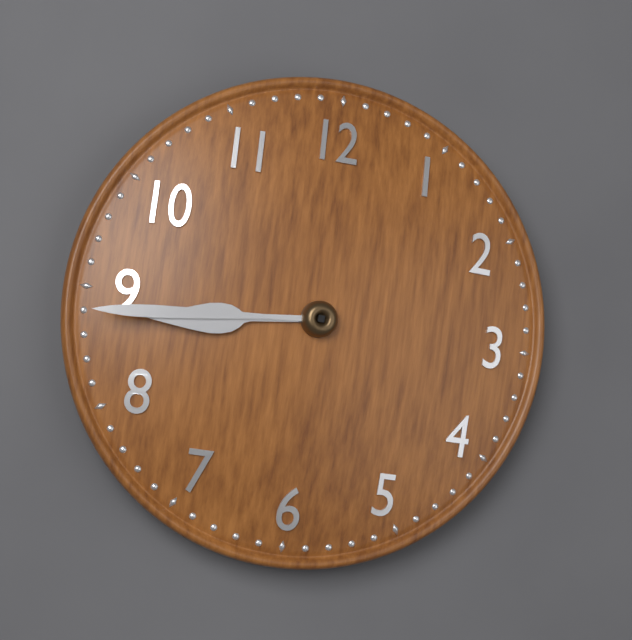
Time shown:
{"hour": 8, "minute": 44}
